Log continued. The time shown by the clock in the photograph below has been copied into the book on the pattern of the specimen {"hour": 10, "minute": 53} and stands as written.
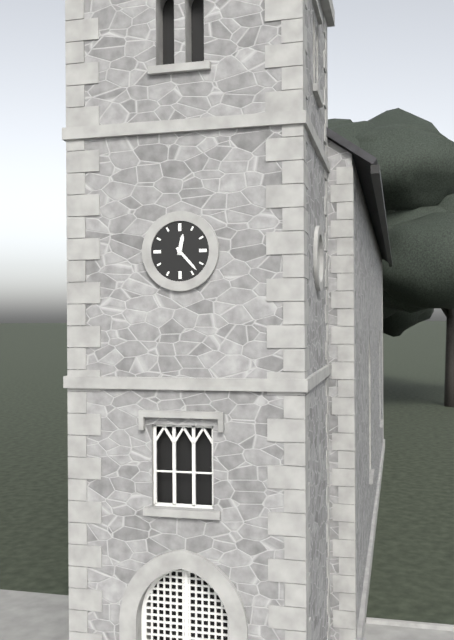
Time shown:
{"hour": 12, "minute": 23}
